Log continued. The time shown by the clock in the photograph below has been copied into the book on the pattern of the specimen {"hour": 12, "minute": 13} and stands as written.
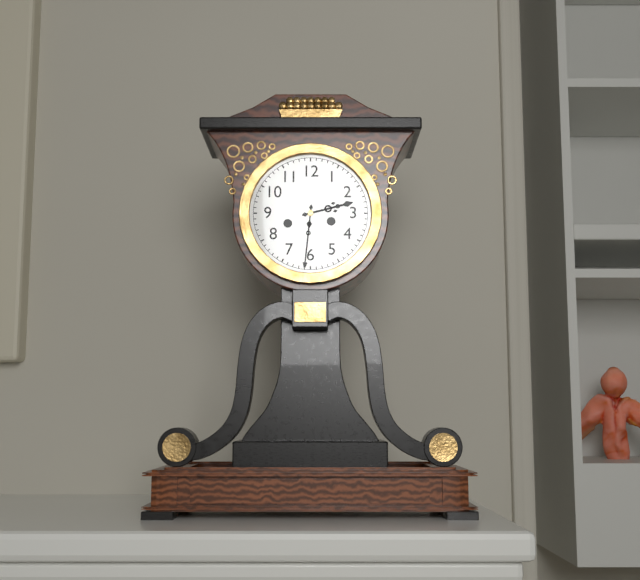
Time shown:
{"hour": 2, "minute": 31}
